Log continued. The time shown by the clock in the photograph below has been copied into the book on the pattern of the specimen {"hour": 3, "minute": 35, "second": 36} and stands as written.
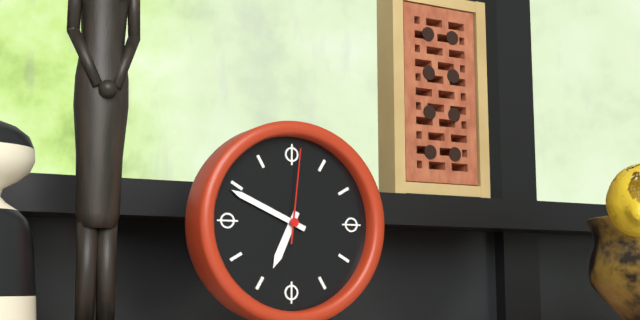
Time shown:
{"hour": 6, "minute": 49, "second": 1}
